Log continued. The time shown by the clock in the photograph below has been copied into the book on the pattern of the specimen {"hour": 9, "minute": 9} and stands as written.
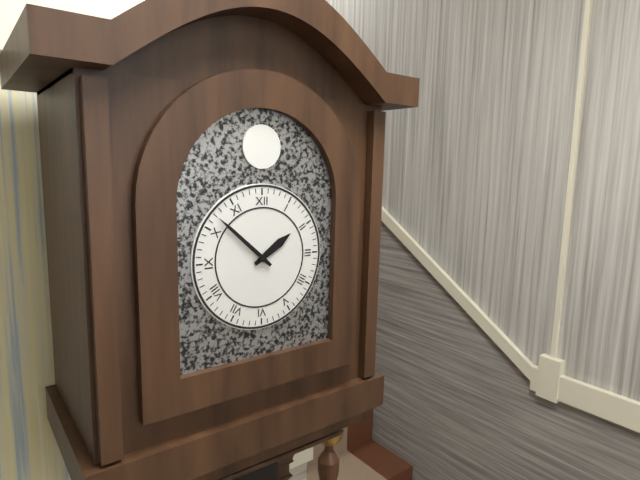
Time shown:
{"hour": 1, "minute": 52}
